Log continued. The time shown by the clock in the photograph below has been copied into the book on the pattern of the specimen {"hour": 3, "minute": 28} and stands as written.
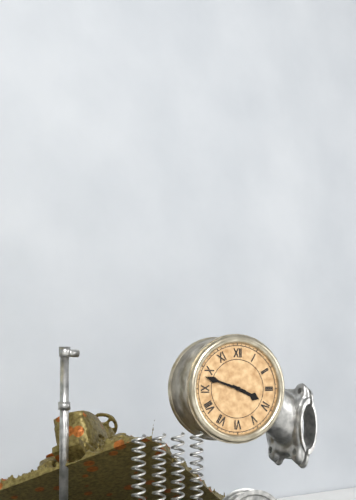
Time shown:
{"hour": 3, "minute": 48}
